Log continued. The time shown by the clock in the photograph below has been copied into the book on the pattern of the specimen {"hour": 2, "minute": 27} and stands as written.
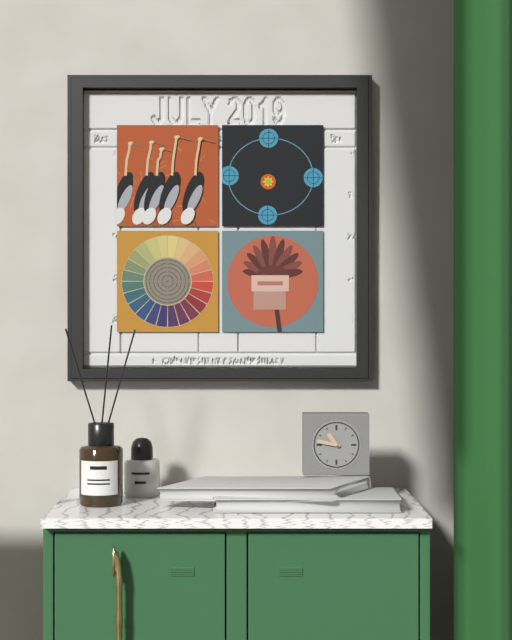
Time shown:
{"hour": 10, "minute": 47}
